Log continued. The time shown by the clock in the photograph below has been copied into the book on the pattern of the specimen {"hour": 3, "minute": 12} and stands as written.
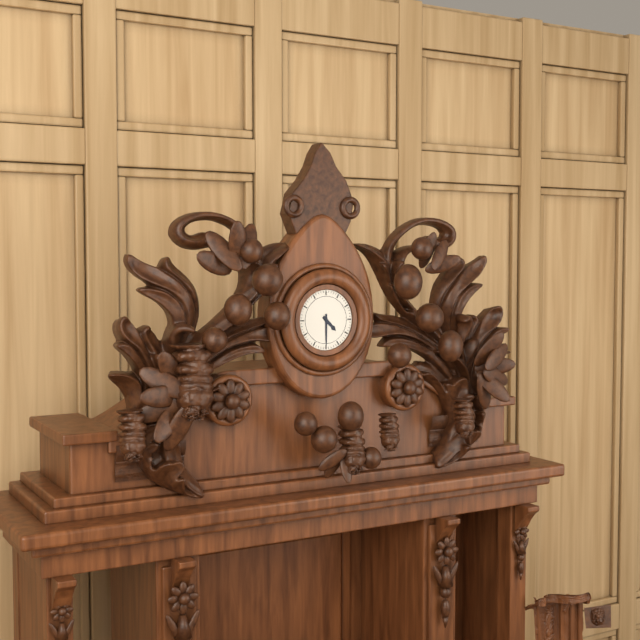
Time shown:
{"hour": 4, "minute": 30}
